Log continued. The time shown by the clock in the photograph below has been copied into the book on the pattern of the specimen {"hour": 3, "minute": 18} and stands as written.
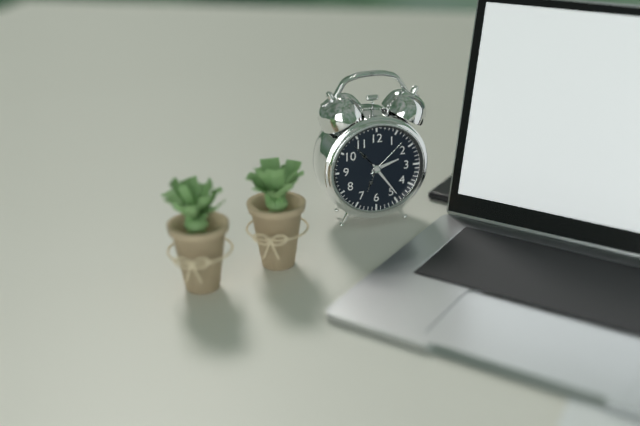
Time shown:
{"hour": 2, "minute": 24}
